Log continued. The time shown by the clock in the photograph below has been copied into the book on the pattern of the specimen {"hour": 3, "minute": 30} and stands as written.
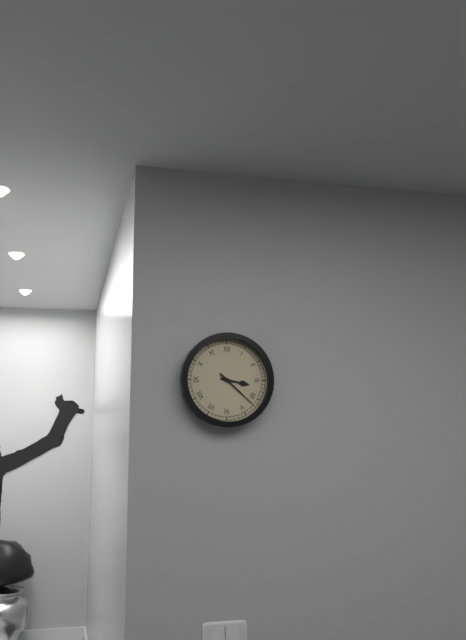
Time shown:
{"hour": 3, "minute": 22}
